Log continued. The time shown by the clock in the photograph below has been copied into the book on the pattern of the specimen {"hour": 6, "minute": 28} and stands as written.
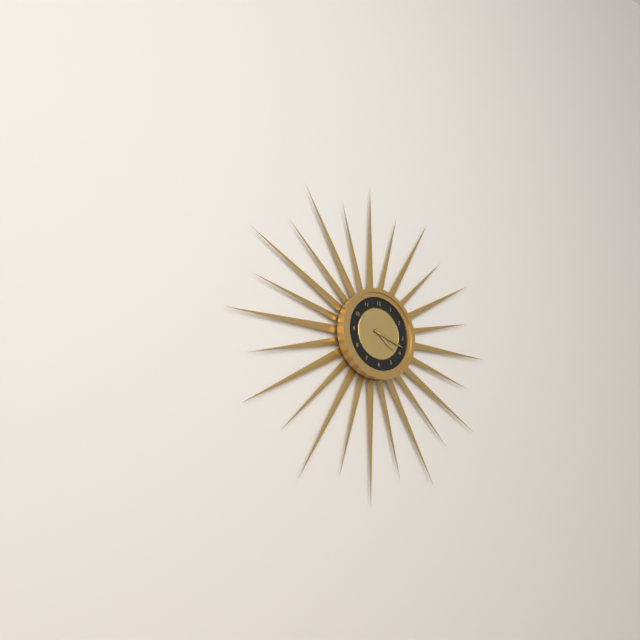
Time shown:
{"hour": 4, "minute": 18}
